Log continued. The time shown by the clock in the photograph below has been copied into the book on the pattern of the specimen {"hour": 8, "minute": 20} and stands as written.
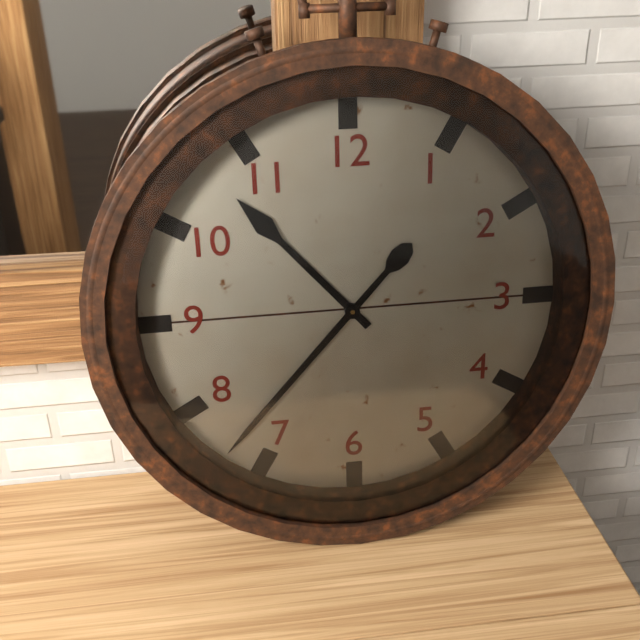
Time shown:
{"hour": 10, "minute": 37}
